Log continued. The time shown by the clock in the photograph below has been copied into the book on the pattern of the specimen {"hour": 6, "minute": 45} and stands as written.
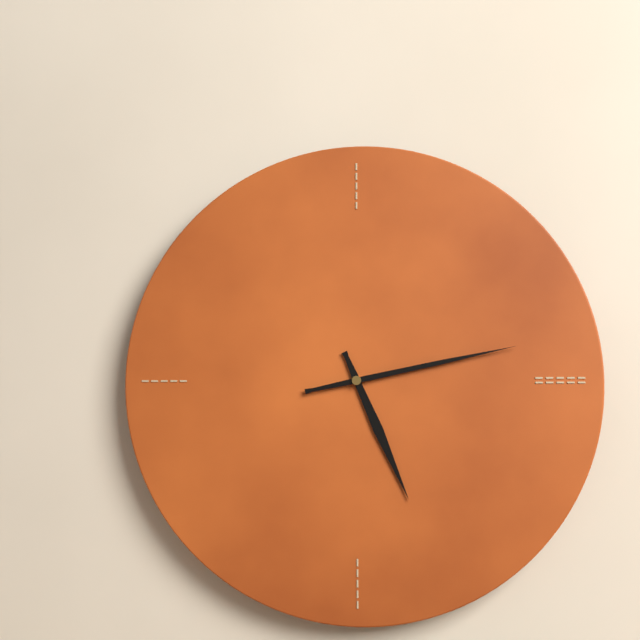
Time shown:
{"hour": 5, "minute": 13}
